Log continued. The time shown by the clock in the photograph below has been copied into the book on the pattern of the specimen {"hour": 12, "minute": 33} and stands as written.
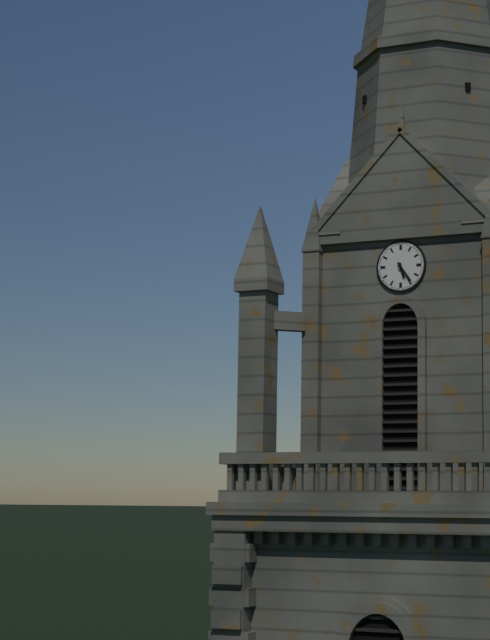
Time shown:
{"hour": 5, "minute": 24}
